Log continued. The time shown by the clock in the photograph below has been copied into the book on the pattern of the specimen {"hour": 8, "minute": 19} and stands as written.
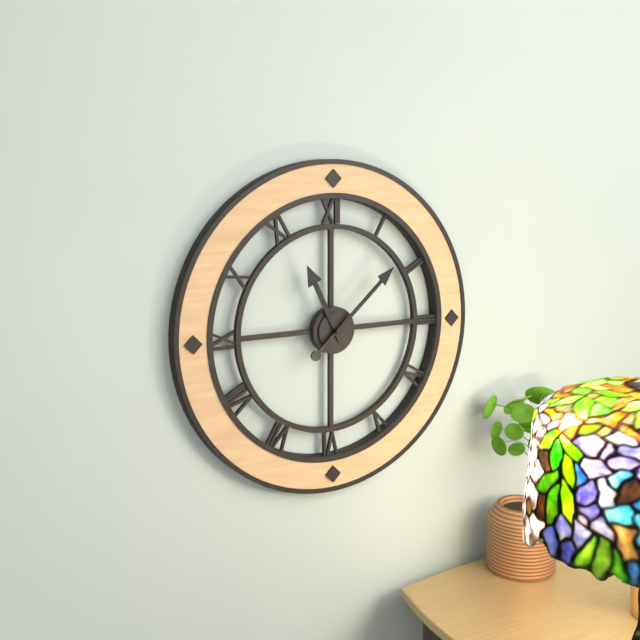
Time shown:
{"hour": 11, "minute": 8}
